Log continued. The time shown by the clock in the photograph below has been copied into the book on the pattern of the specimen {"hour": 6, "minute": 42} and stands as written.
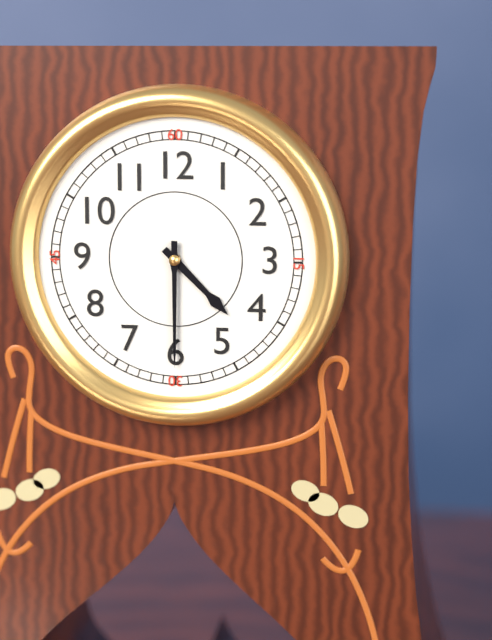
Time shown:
{"hour": 4, "minute": 30}
